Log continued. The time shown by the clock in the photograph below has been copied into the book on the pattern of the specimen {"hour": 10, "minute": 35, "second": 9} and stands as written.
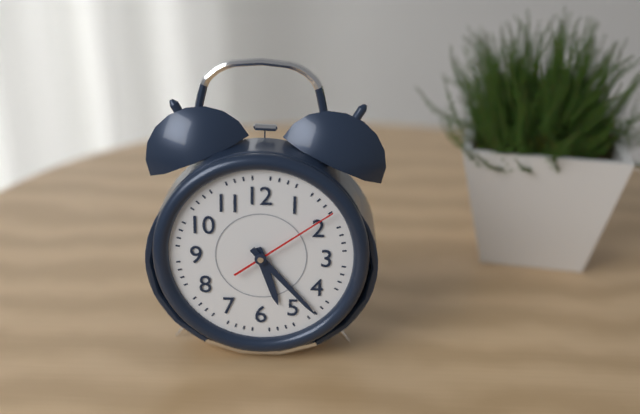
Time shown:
{"hour": 5, "minute": 23, "second": 9}
